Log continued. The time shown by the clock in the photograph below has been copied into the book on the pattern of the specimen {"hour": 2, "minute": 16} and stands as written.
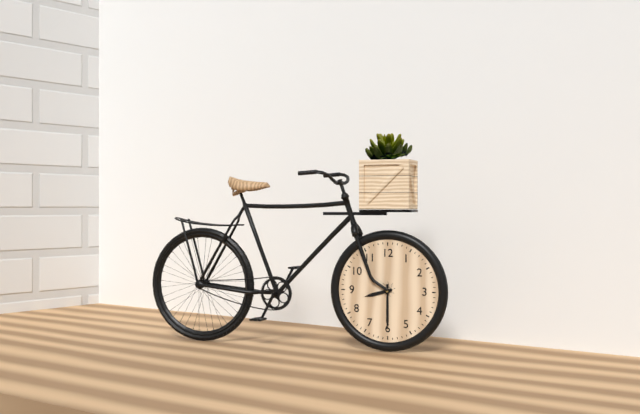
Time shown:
{"hour": 8, "minute": 30}
